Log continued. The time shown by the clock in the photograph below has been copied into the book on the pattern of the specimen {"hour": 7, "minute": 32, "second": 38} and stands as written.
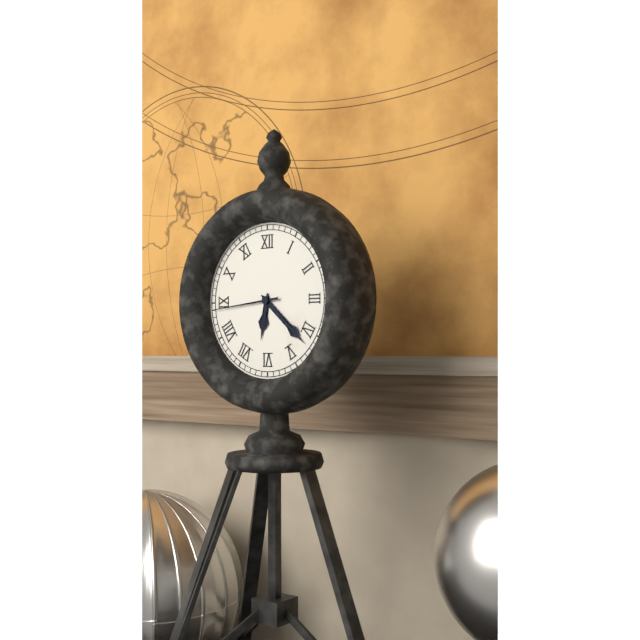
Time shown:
{"hour": 6, "minute": 22, "second": 44}
